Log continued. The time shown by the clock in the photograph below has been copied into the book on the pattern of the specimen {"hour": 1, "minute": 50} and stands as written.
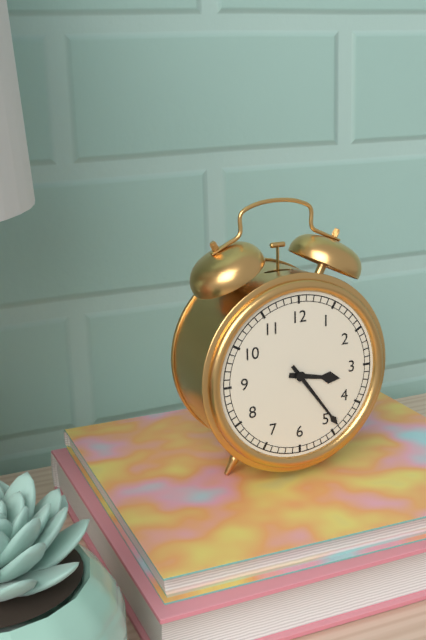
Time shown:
{"hour": 3, "minute": 24}
